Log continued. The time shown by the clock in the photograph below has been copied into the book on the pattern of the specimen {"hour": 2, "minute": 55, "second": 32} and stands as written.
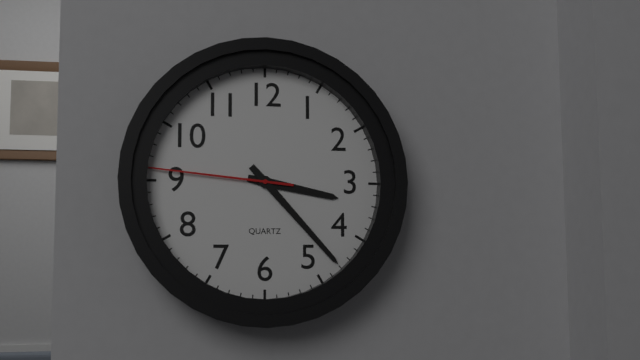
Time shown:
{"hour": 3, "minute": 23, "second": 46}
